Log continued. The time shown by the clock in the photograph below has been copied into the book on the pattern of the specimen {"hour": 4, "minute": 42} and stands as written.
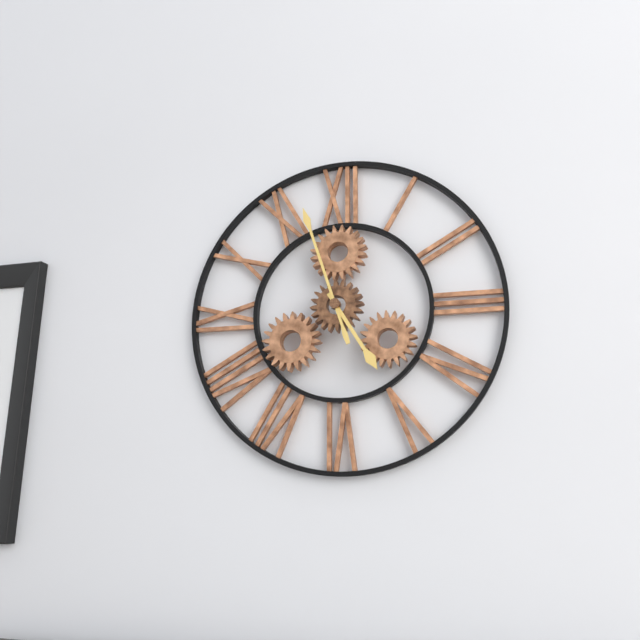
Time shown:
{"hour": 4, "minute": 57}
